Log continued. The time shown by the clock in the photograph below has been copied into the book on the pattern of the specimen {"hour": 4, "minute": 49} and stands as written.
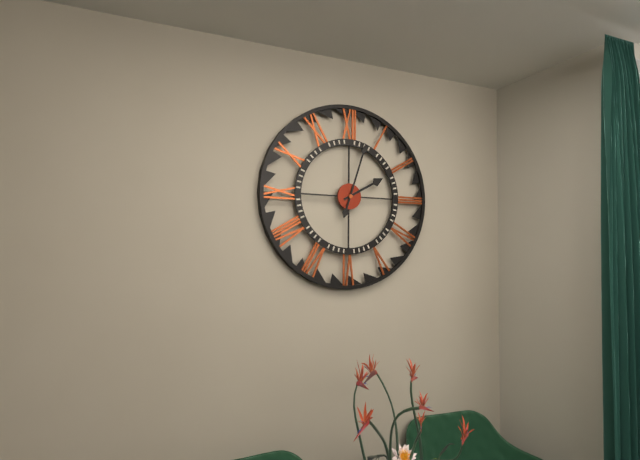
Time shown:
{"hour": 2, "minute": 3}
